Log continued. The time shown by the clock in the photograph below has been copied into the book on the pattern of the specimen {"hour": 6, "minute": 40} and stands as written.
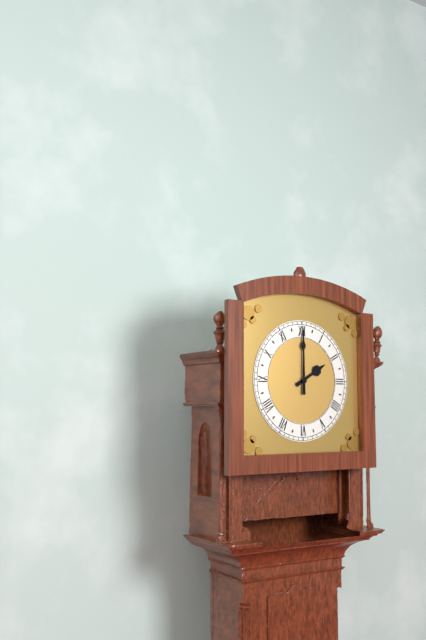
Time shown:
{"hour": 2, "minute": 0}
